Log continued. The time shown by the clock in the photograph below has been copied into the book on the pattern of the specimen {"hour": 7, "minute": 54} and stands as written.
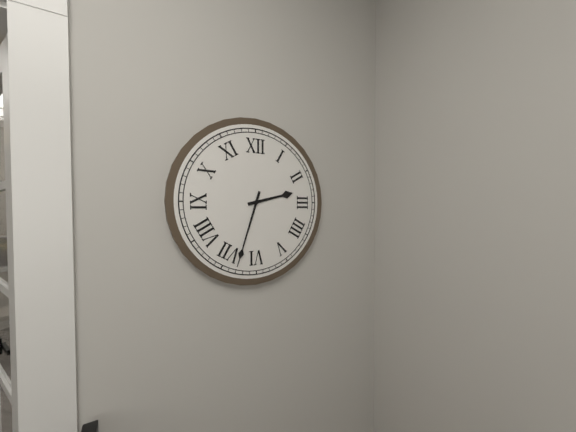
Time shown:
{"hour": 2, "minute": 33}
